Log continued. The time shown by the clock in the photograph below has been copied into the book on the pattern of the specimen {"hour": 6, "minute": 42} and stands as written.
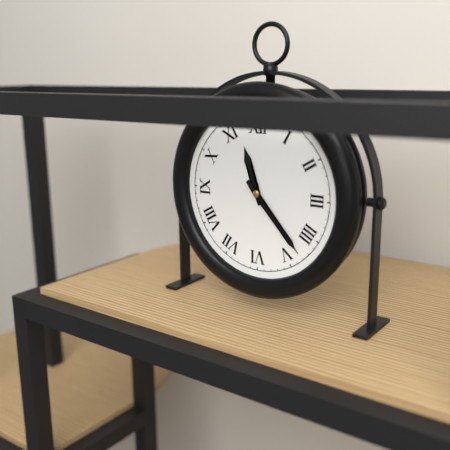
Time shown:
{"hour": 11, "minute": 23}
